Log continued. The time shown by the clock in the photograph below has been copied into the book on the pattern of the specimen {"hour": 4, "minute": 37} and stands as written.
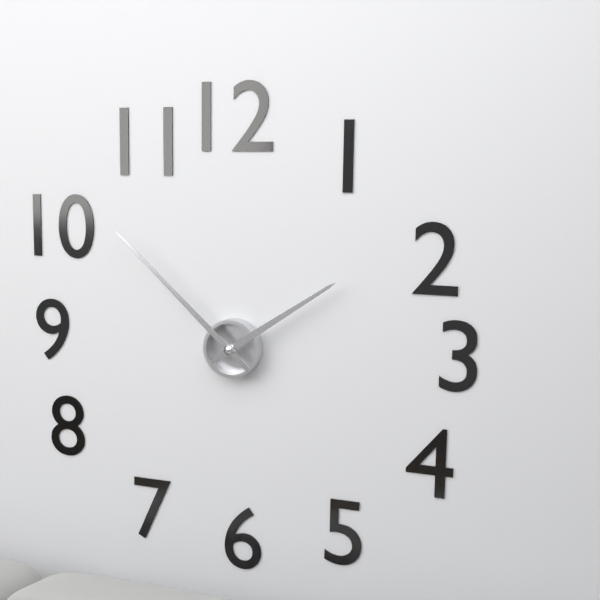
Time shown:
{"hour": 1, "minute": 52}
